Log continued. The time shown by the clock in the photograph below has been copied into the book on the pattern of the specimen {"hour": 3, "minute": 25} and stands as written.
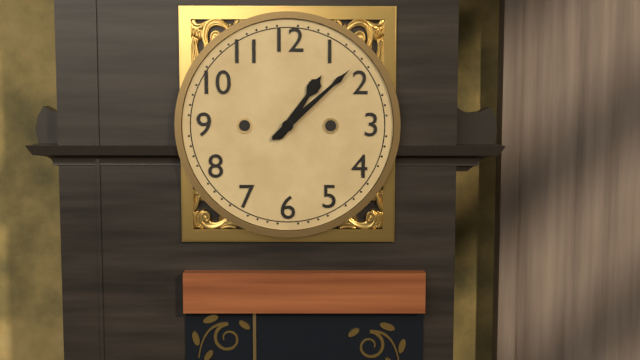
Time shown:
{"hour": 1, "minute": 8}
